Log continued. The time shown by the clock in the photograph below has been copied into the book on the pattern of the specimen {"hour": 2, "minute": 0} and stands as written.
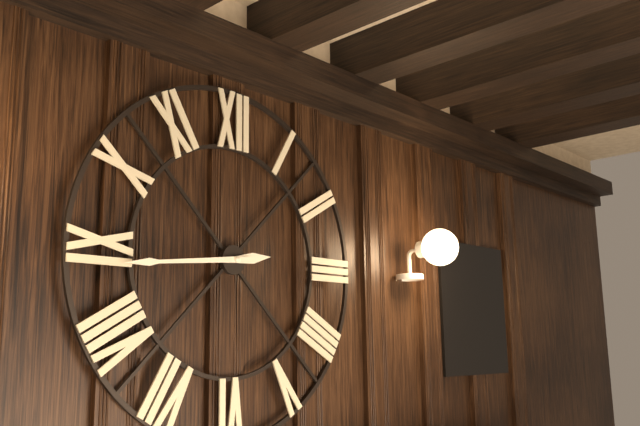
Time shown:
{"hour": 2, "minute": 44}
